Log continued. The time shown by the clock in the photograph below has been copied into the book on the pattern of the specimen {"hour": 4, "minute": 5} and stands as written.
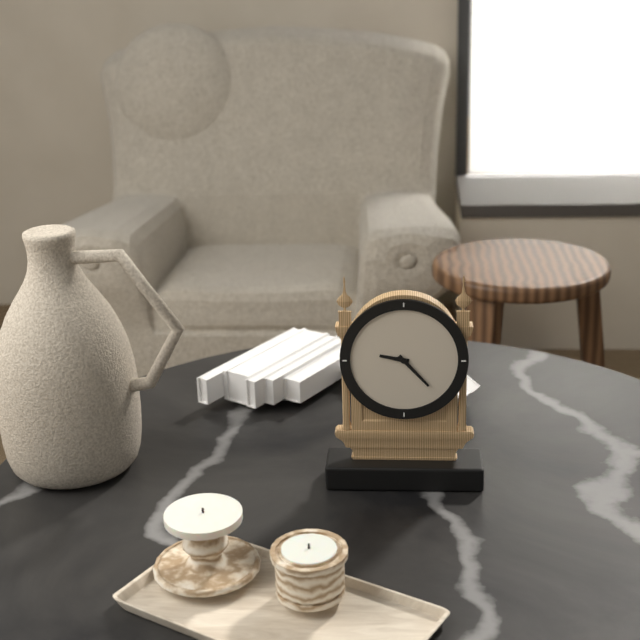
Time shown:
{"hour": 9, "minute": 23}
